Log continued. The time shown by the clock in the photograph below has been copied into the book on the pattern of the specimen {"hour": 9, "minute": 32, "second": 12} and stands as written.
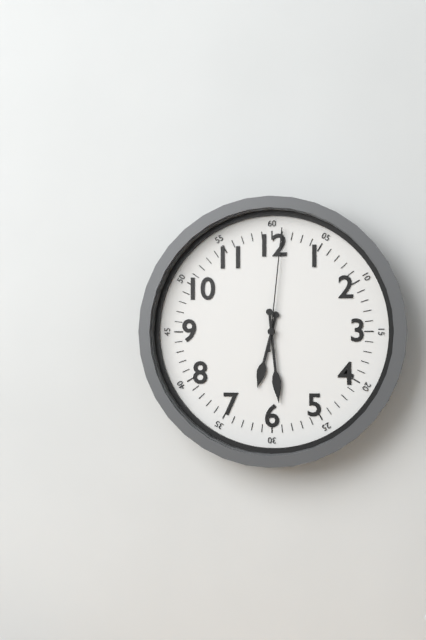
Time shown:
{"hour": 6, "minute": 29, "second": 1}
